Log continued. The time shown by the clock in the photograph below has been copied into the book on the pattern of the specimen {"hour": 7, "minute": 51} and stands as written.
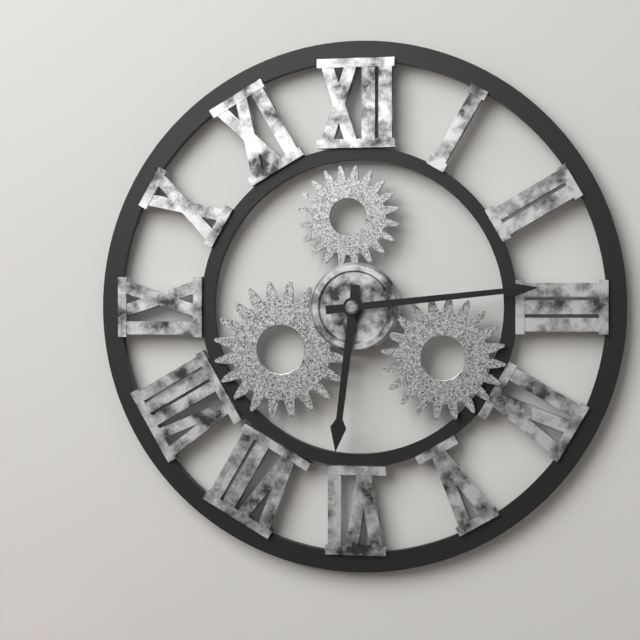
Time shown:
{"hour": 6, "minute": 14}
